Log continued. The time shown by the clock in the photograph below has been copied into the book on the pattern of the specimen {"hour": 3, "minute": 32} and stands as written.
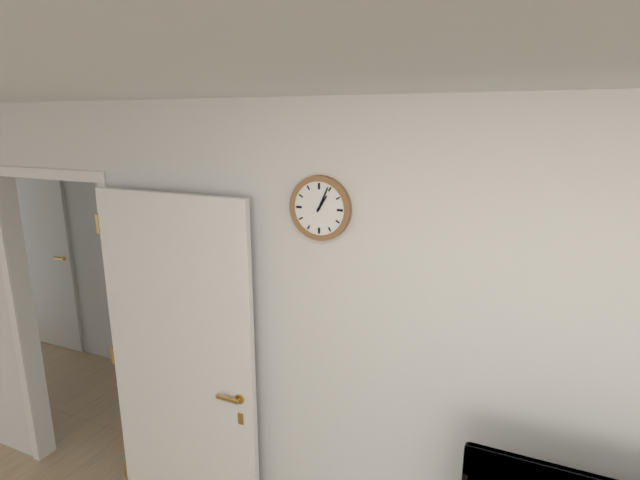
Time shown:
{"hour": 1, "minute": 4}
